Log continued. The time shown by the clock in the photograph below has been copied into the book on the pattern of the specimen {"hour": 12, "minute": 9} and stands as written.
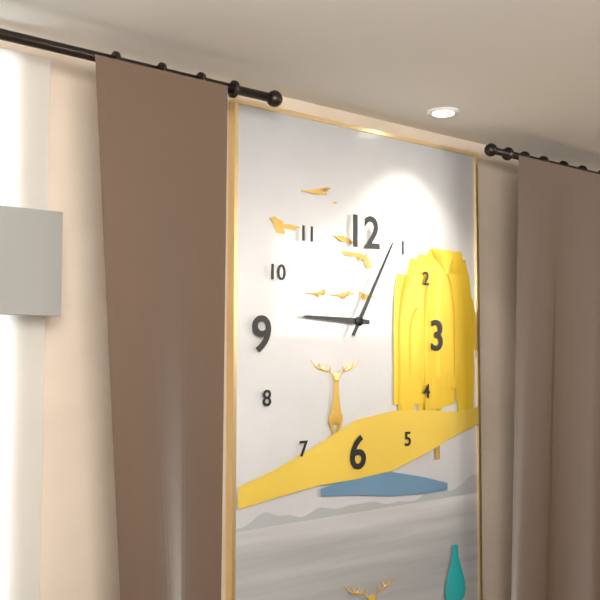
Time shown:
{"hour": 9, "minute": 5}
